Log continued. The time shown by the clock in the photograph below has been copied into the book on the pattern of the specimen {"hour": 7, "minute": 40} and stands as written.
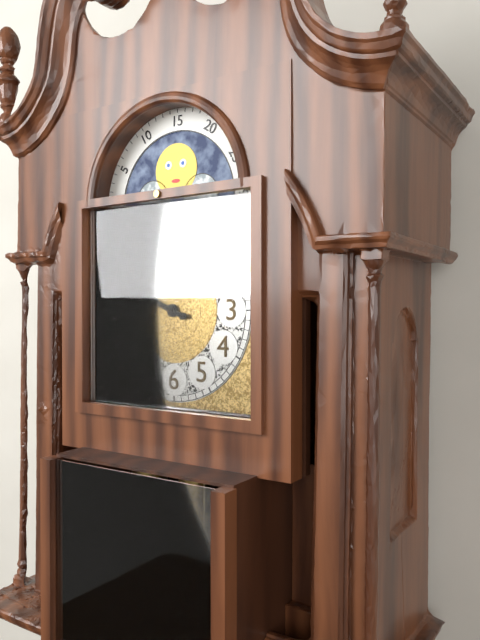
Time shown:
{"hour": 9, "minute": 48}
